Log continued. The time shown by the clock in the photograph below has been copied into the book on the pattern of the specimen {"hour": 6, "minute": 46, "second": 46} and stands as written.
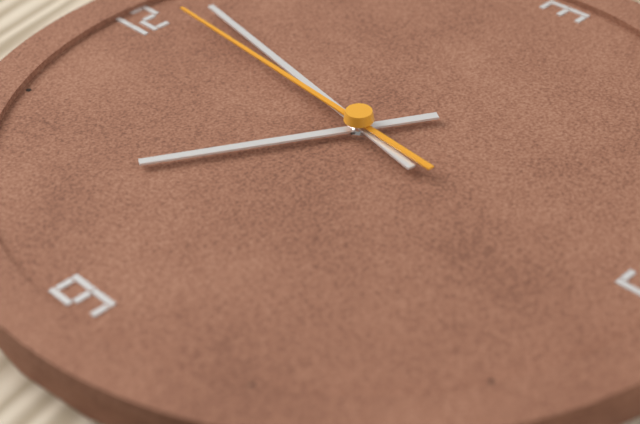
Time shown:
{"hour": 10, "minute": 2, "second": 1}
